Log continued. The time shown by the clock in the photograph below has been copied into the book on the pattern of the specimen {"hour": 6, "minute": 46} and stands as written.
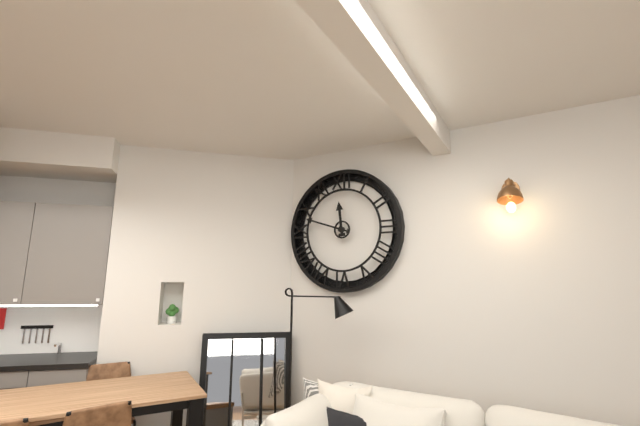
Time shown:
{"hour": 11, "minute": 48}
